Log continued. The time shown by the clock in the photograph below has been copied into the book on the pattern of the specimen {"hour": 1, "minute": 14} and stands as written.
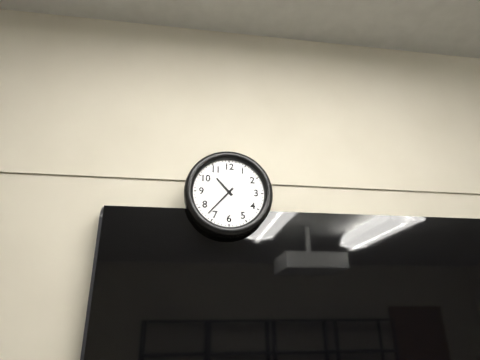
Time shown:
{"hour": 10, "minute": 37}
